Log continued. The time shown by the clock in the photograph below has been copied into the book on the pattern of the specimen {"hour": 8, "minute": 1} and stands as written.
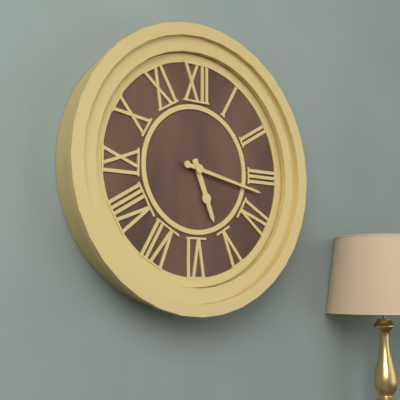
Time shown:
{"hour": 5, "minute": 17}
